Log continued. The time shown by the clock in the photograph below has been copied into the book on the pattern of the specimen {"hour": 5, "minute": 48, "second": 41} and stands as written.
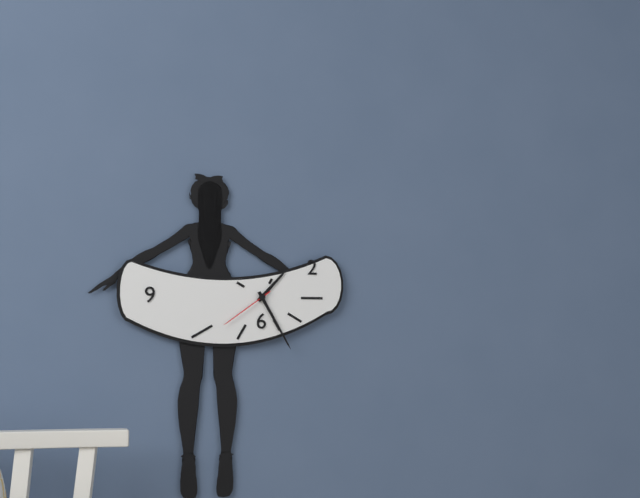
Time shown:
{"hour": 1, "minute": 25, "second": 39}
